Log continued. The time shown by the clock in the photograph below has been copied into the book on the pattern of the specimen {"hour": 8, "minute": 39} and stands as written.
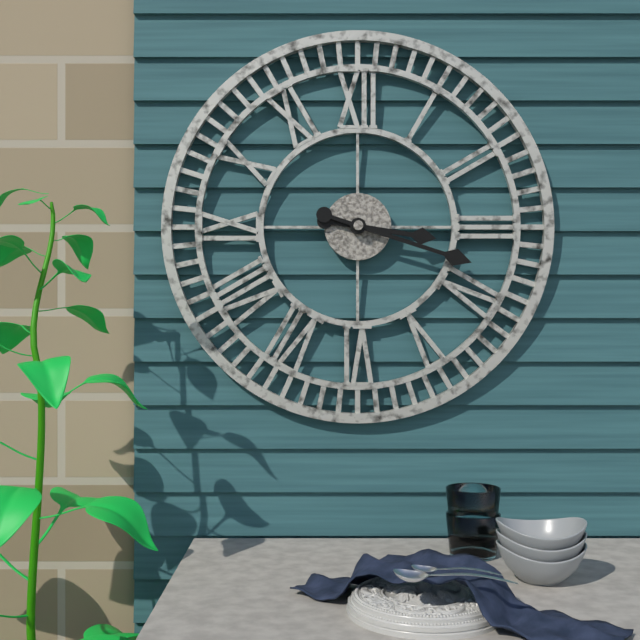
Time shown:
{"hour": 3, "minute": 18}
